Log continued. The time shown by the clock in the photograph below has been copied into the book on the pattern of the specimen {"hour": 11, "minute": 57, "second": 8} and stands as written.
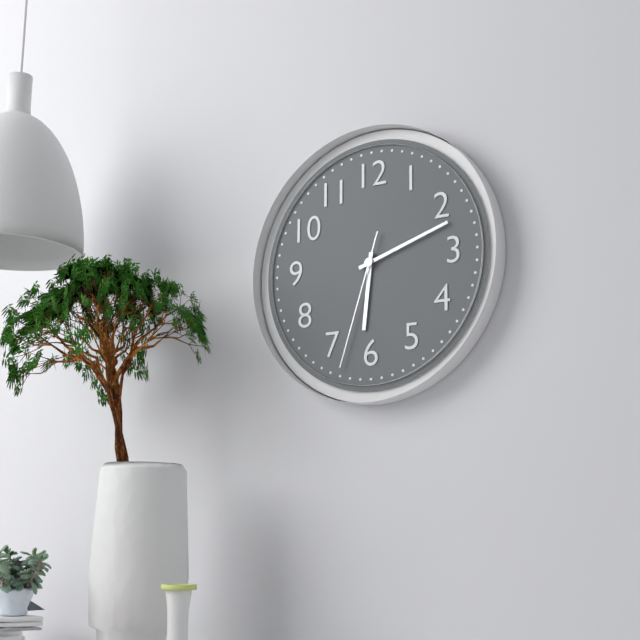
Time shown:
{"hour": 6, "minute": 12, "second": 33}
